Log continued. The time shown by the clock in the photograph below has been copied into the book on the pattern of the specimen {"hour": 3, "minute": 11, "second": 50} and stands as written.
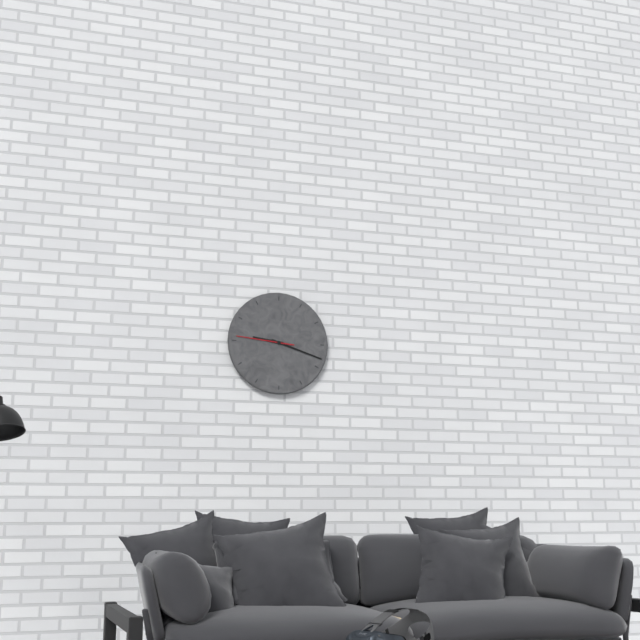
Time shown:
{"hour": 9, "minute": 18, "second": 46}
